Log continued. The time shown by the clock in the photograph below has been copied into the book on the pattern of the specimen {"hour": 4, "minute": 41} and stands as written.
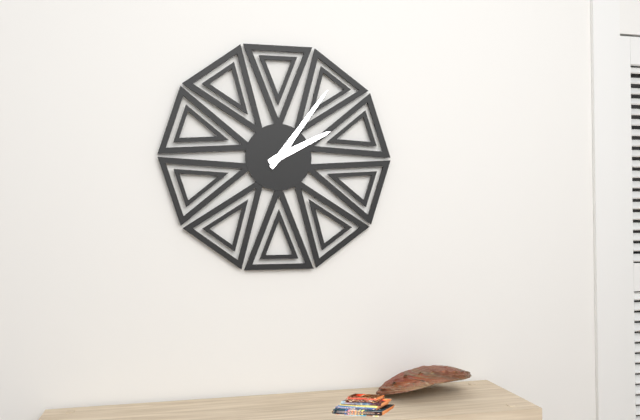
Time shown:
{"hour": 2, "minute": 6}
